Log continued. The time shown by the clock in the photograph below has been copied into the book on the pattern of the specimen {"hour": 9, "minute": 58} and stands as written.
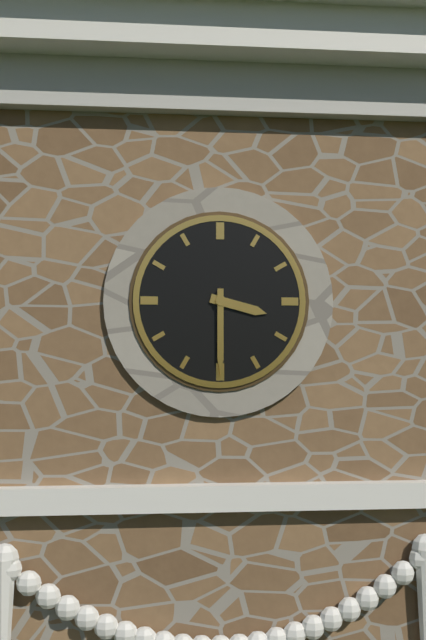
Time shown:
{"hour": 3, "minute": 30}
